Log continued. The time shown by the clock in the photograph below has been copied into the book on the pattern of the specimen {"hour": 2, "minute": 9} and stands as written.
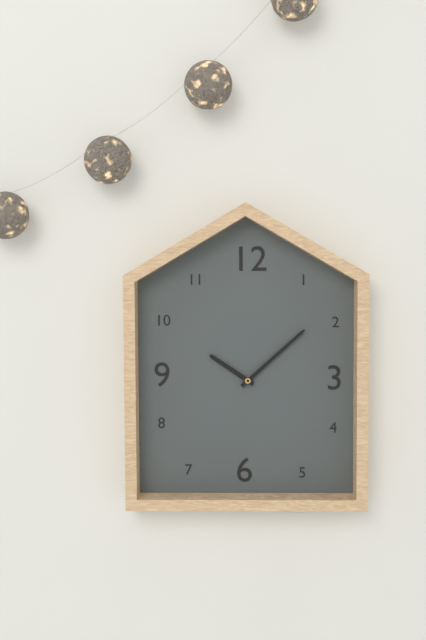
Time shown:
{"hour": 10, "minute": 8}
